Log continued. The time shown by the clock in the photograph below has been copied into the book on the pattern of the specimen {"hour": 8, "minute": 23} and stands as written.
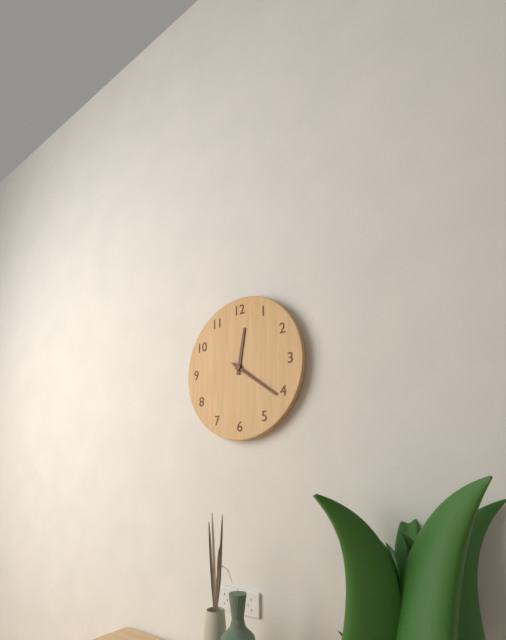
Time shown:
{"hour": 12, "minute": 21}
